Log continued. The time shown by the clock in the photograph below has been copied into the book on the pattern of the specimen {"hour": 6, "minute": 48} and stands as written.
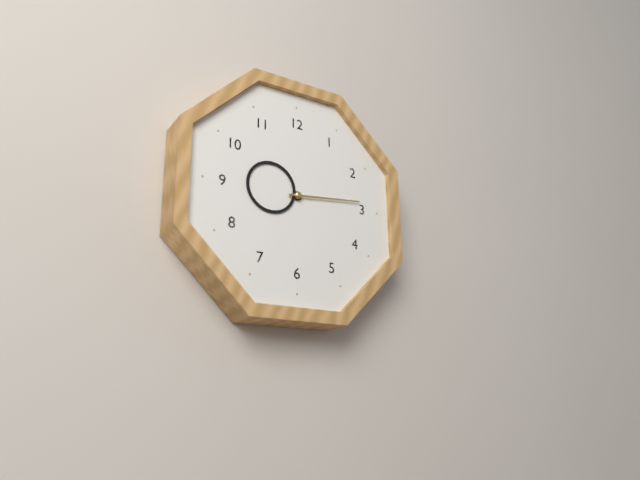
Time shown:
{"hour": 9, "minute": 14}
